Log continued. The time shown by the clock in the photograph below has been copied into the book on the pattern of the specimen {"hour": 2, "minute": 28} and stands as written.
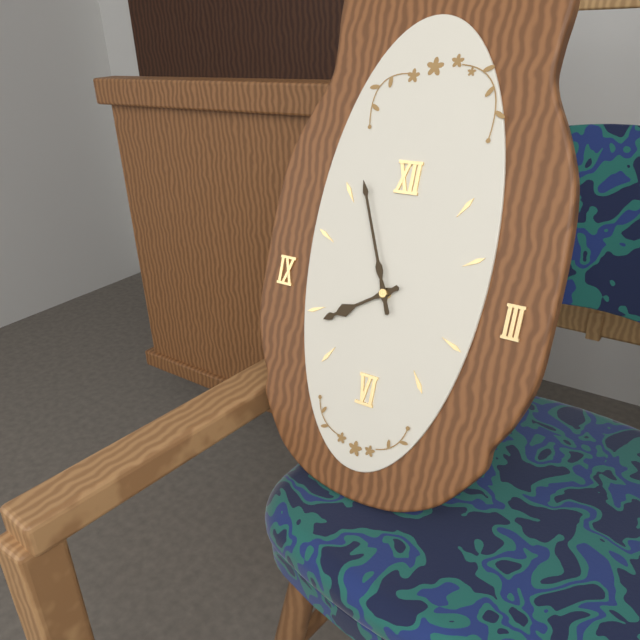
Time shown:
{"hour": 7, "minute": 56}
